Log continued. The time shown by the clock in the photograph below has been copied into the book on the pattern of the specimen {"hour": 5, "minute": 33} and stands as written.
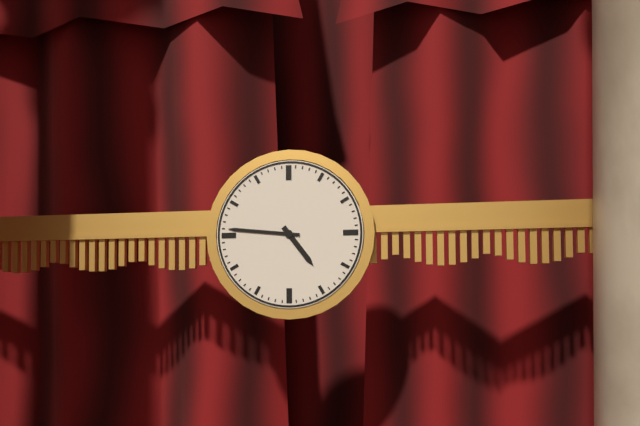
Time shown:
{"hour": 4, "minute": 46}
